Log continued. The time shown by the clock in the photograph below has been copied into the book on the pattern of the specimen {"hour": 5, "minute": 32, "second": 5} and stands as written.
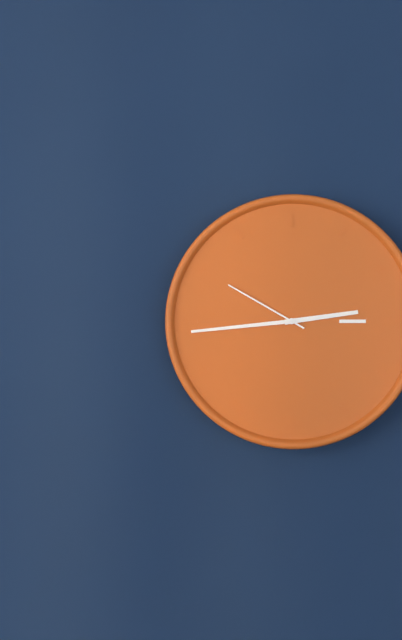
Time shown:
{"hour": 2, "minute": 44, "second": 50}
